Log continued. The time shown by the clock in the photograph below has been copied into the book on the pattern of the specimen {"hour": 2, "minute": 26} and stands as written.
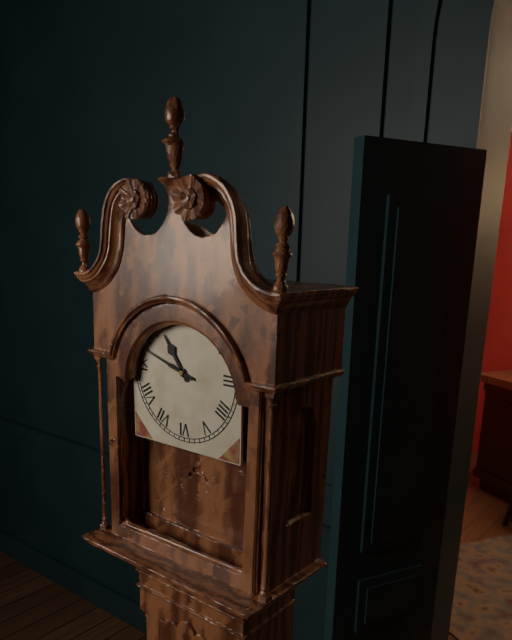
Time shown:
{"hour": 10, "minute": 48}
